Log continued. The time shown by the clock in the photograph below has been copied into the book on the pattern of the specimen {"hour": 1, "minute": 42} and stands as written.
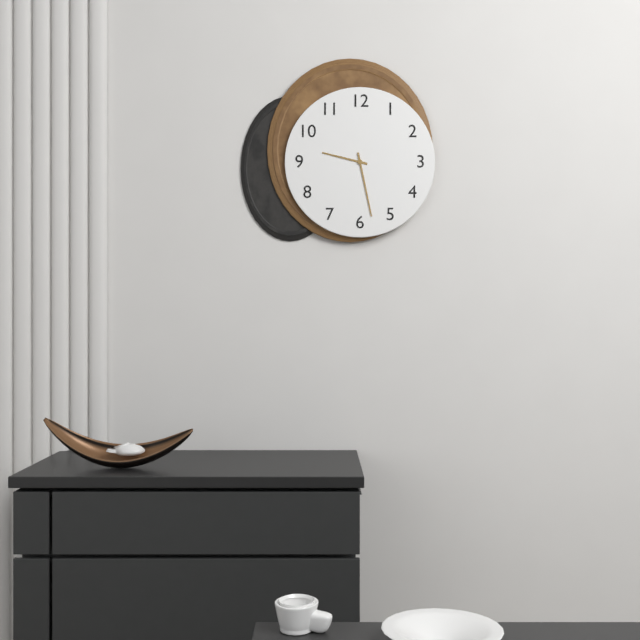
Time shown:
{"hour": 9, "minute": 28}
